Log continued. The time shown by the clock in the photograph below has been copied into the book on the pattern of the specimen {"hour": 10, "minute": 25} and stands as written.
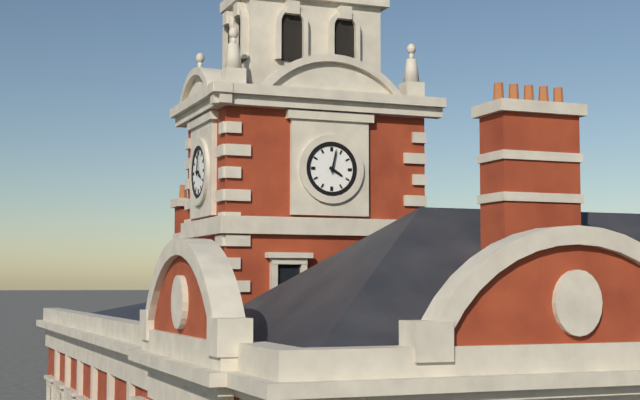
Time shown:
{"hour": 4, "minute": 2}
